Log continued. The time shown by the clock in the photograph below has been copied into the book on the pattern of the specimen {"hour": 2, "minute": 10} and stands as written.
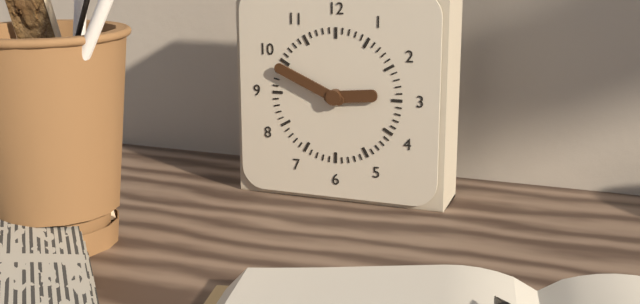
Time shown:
{"hour": 2, "minute": 49}
